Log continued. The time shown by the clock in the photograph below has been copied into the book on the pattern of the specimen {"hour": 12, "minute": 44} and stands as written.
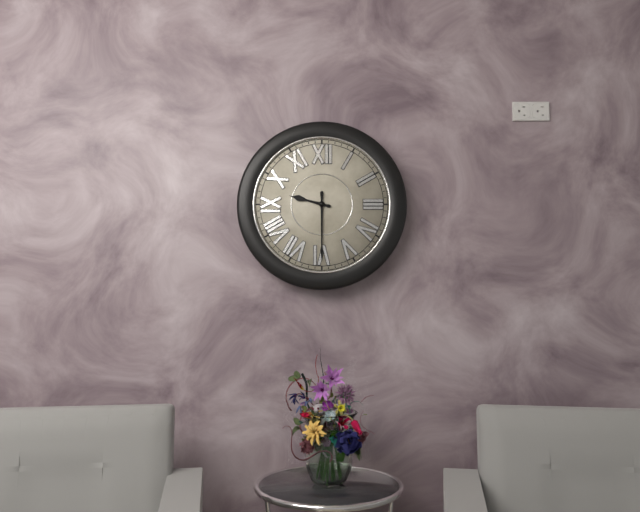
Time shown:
{"hour": 9, "minute": 30}
